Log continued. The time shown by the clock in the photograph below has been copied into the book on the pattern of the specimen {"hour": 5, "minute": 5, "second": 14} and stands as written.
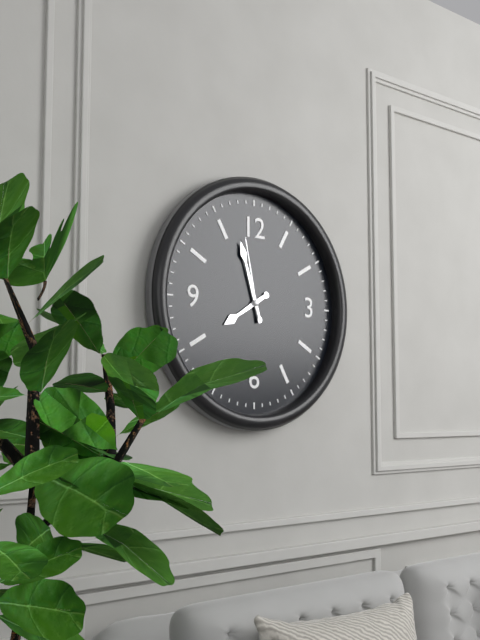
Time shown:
{"hour": 7, "minute": 57, "second": 58}
